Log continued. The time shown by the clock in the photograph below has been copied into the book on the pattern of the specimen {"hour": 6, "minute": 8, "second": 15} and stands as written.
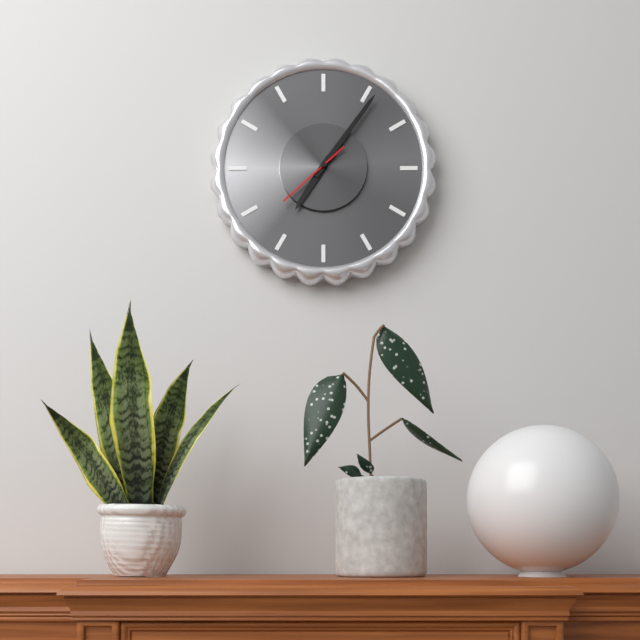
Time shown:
{"hour": 7, "minute": 6, "second": 38}
